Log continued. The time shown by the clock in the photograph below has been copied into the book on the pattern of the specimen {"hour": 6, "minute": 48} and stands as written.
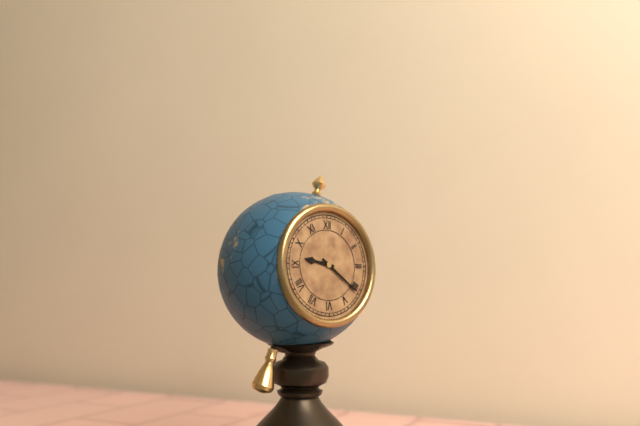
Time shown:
{"hour": 9, "minute": 21}
